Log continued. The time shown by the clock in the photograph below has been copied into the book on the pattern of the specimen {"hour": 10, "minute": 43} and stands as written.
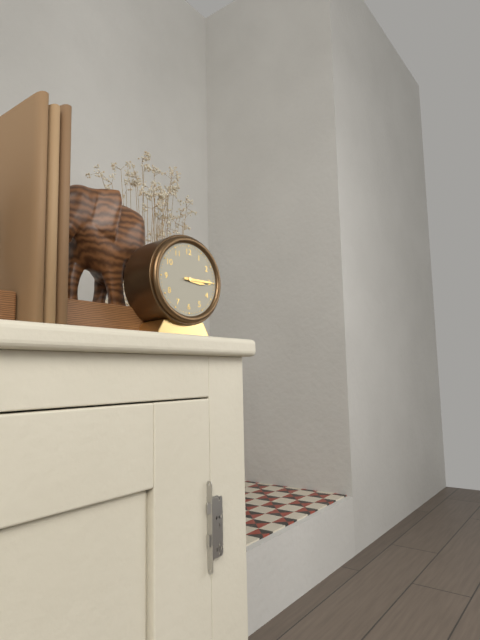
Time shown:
{"hour": 3, "minute": 15}
